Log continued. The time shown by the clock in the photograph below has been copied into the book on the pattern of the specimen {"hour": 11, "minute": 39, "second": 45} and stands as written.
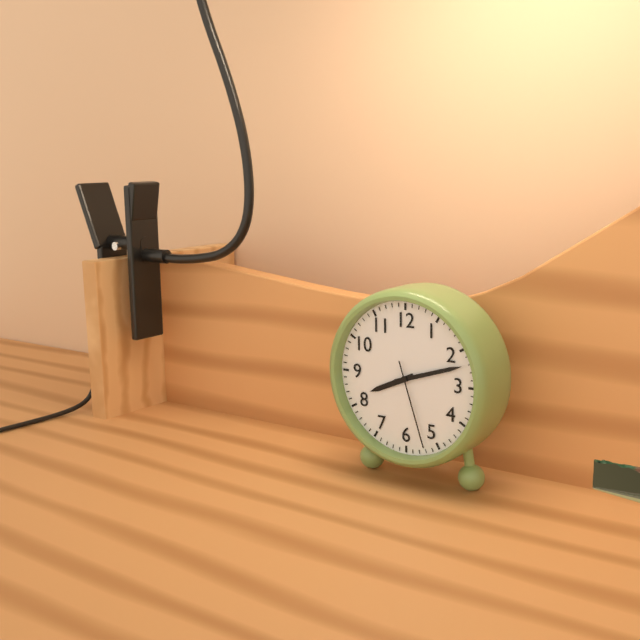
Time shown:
{"hour": 8, "minute": 12, "second": 27}
